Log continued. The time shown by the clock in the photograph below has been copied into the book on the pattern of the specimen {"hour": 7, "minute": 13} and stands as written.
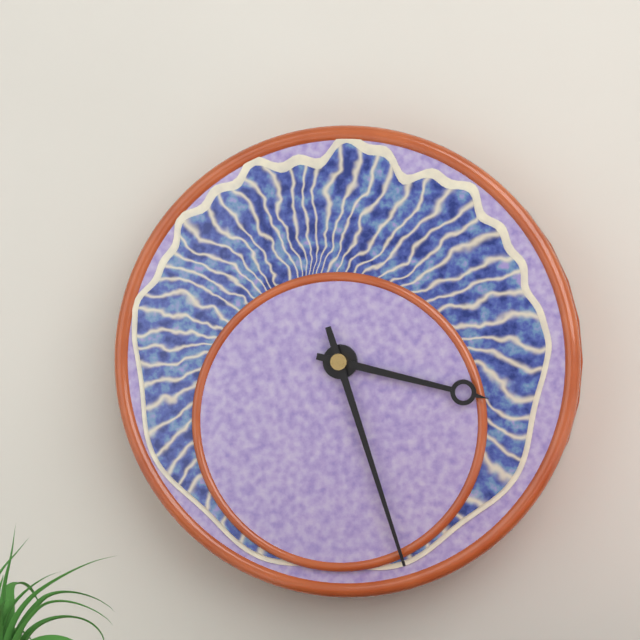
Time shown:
{"hour": 3, "minute": 27}
